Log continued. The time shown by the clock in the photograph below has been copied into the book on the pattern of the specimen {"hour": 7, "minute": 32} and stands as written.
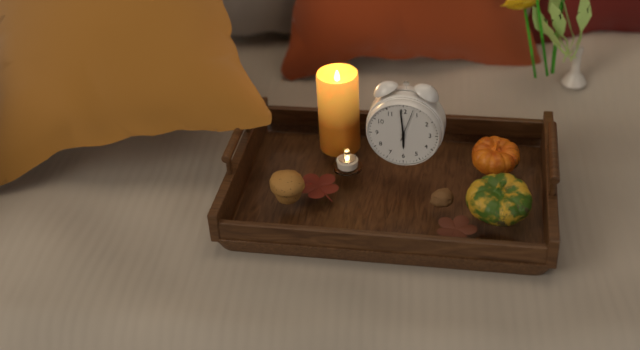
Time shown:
{"hour": 5, "minute": 59}
